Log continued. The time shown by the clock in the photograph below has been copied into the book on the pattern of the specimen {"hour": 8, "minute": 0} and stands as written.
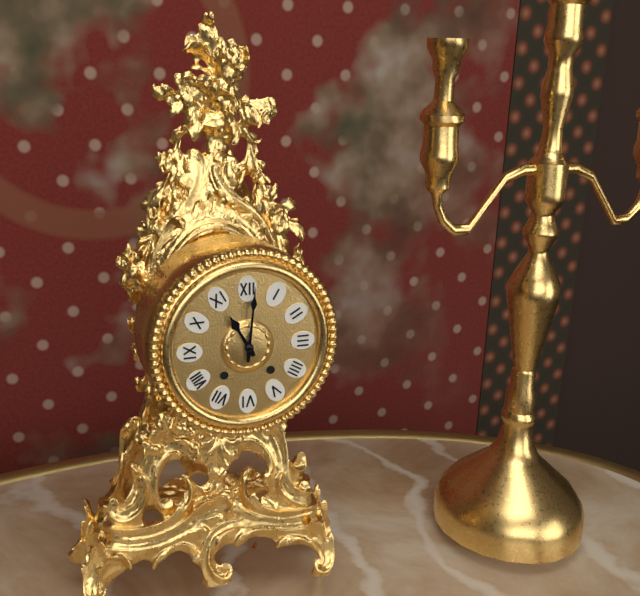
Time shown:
{"hour": 11, "minute": 1}
